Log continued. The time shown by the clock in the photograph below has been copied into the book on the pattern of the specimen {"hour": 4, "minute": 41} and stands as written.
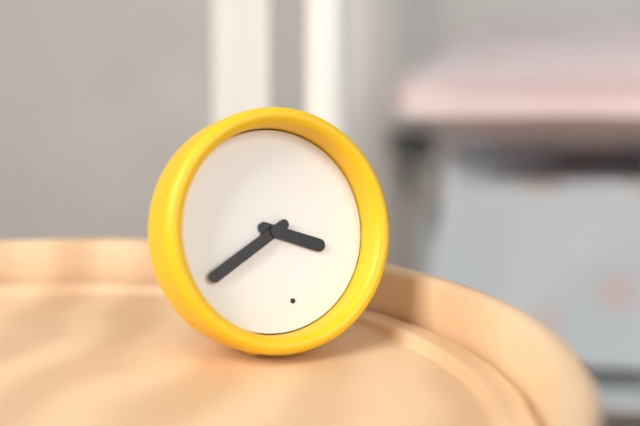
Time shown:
{"hour": 3, "minute": 40}
